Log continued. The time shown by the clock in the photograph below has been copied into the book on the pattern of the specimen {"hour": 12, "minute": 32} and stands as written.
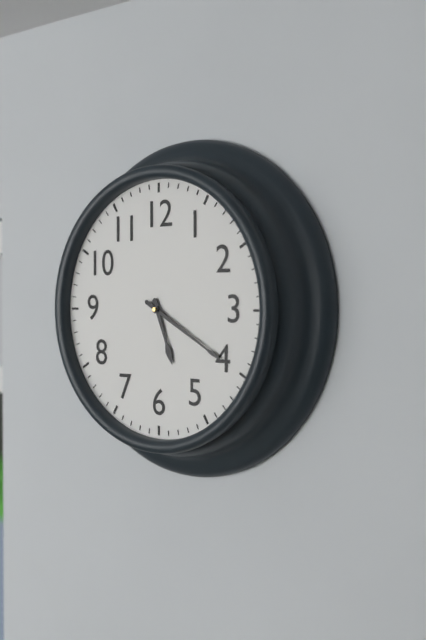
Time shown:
{"hour": 5, "minute": 20}
